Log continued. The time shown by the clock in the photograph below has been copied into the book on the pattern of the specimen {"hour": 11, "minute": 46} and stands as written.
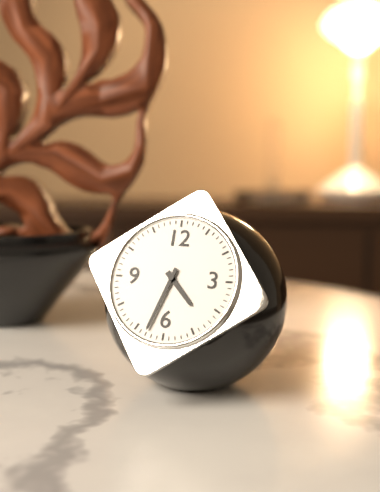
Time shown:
{"hour": 4, "minute": 33}
